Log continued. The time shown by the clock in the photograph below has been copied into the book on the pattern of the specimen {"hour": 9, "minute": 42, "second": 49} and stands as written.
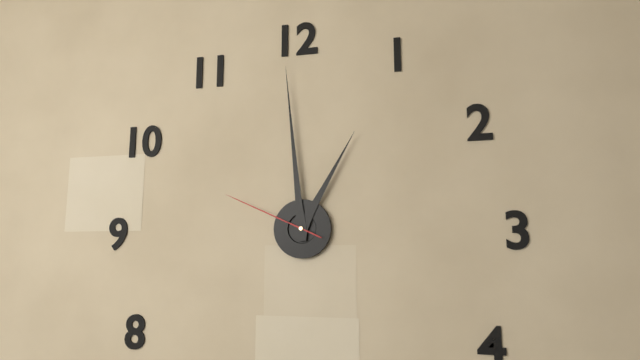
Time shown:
{"hour": 12, "minute": 59, "second": 49}
